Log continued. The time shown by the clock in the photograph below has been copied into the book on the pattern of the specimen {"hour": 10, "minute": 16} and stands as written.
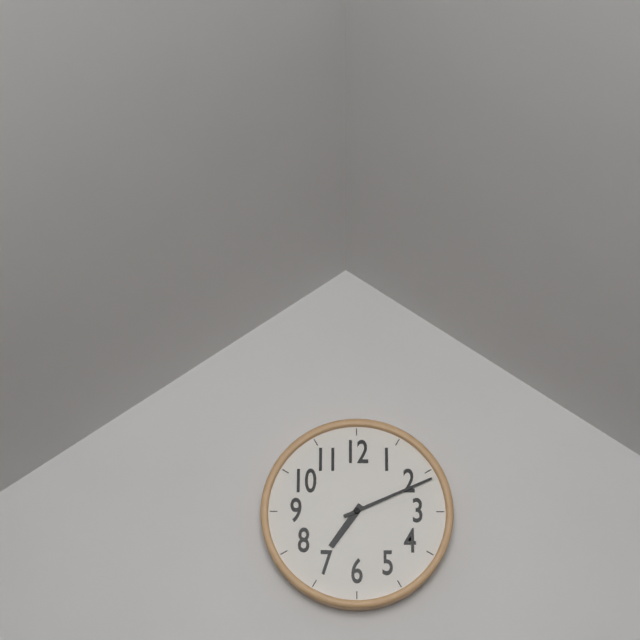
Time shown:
{"hour": 7, "minute": 11}
